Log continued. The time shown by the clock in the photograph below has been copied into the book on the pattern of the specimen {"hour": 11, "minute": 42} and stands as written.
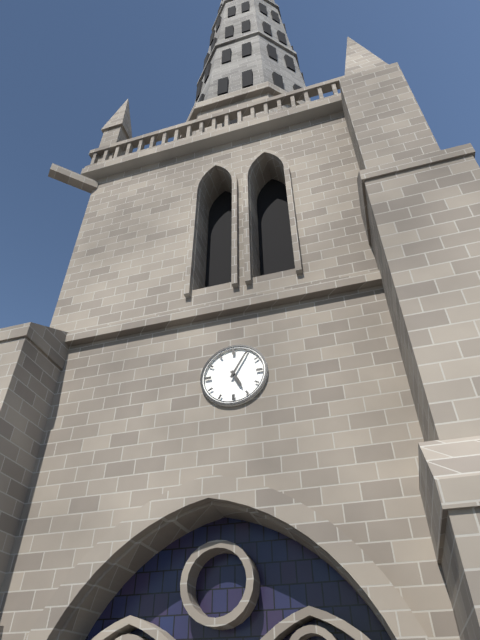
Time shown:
{"hour": 5, "minute": 5}
